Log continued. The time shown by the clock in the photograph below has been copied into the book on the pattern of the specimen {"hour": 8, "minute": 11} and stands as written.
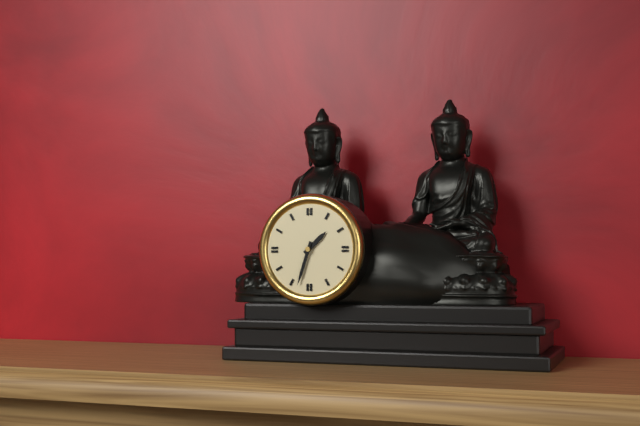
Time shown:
{"hour": 1, "minute": 33}
